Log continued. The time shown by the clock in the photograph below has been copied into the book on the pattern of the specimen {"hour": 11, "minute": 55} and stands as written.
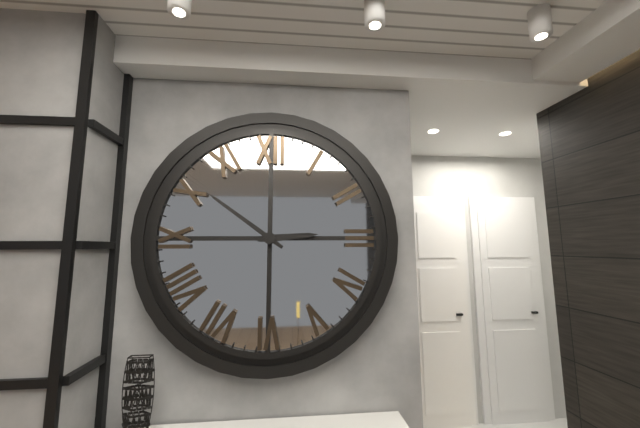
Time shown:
{"hour": 2, "minute": 51}
